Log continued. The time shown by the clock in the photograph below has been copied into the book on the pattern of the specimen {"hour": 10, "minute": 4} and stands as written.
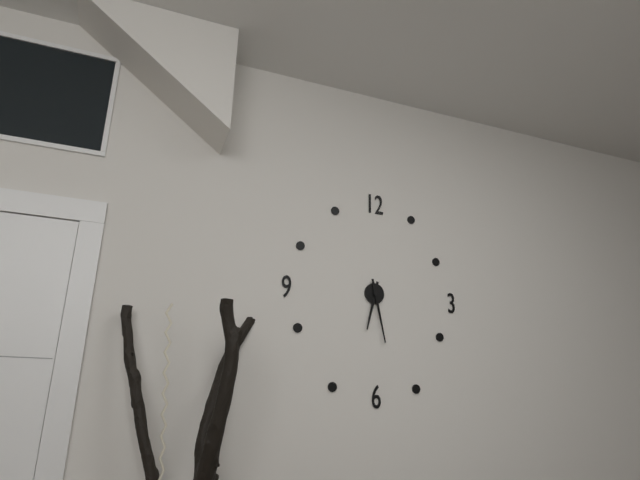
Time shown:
{"hour": 6, "minute": 28}
